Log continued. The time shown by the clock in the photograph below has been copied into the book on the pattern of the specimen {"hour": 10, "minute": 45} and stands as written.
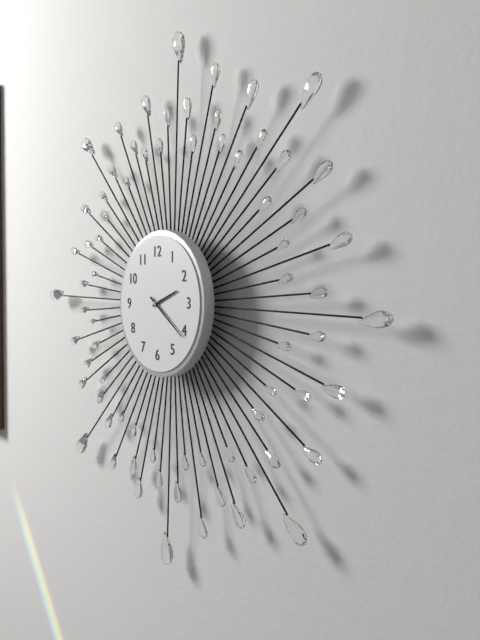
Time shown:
{"hour": 2, "minute": 21}
